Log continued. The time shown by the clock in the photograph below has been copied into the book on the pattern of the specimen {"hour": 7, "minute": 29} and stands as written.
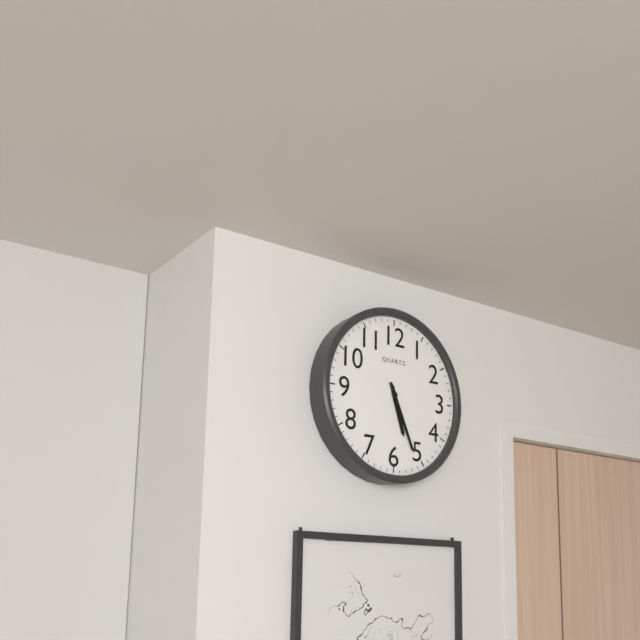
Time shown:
{"hour": 5, "minute": 26}
